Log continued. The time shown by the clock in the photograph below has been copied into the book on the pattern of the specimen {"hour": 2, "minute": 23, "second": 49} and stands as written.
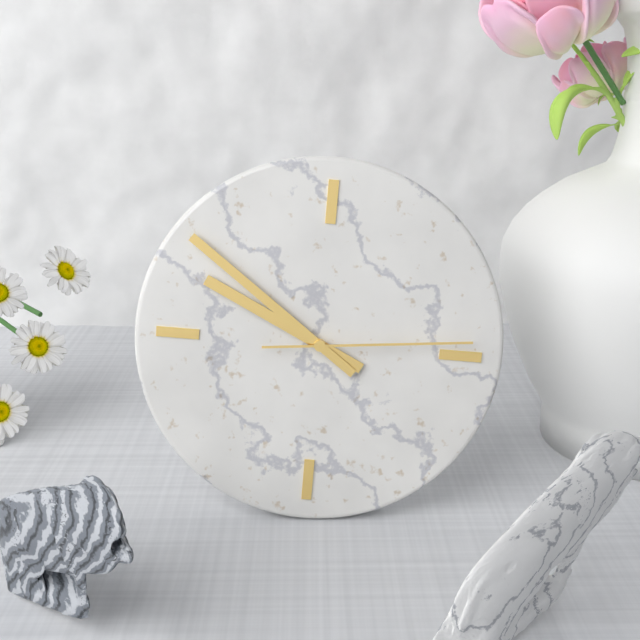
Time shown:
{"hour": 9, "minute": 51, "second": 14}
